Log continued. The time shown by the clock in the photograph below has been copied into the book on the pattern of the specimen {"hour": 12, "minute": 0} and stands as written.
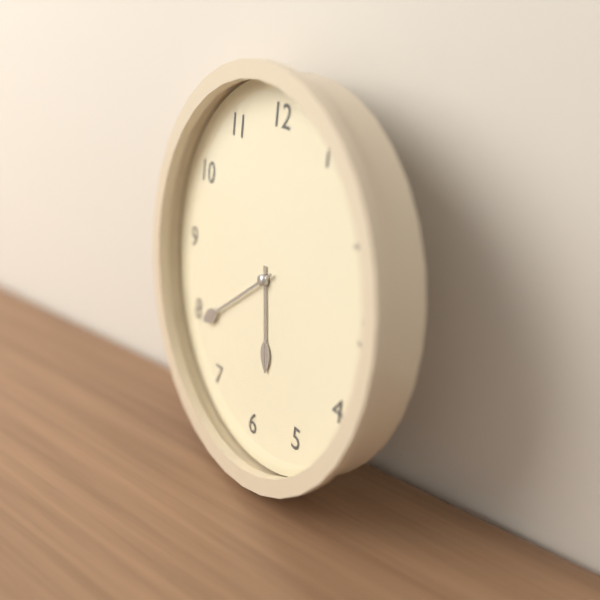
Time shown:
{"hour": 5, "minute": 39}
